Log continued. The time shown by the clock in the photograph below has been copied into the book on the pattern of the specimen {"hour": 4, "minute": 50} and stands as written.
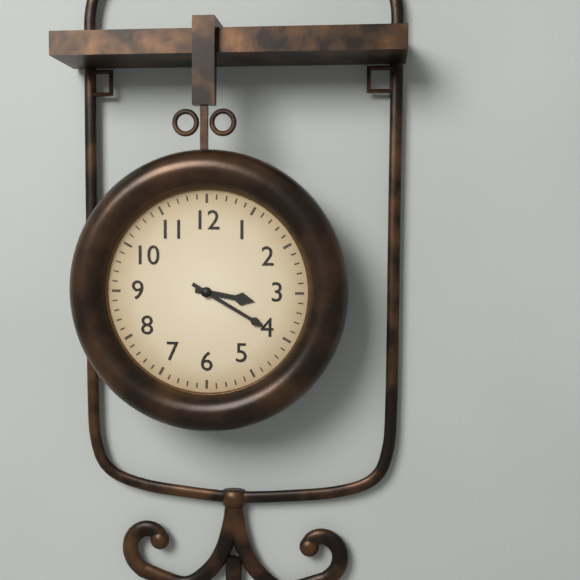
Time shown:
{"hour": 3, "minute": 20}
